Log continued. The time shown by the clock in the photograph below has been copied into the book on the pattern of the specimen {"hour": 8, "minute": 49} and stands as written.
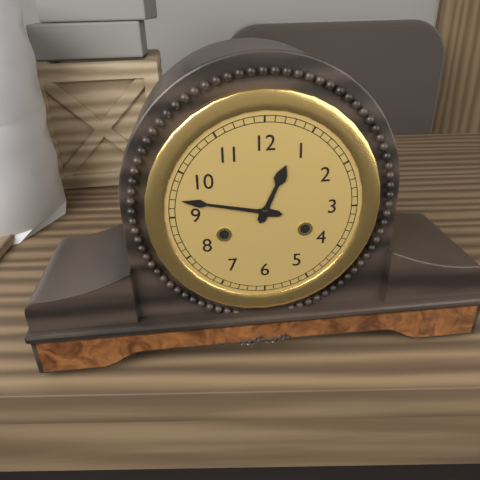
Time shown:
{"hour": 12, "minute": 47}
